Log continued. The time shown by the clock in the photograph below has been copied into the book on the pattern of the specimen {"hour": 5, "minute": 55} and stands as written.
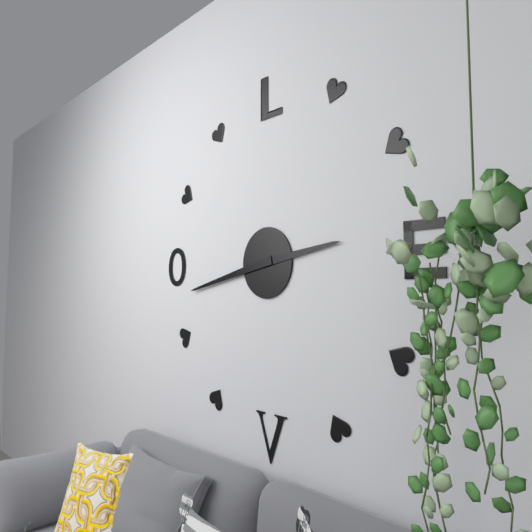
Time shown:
{"hour": 2, "minute": 43}
